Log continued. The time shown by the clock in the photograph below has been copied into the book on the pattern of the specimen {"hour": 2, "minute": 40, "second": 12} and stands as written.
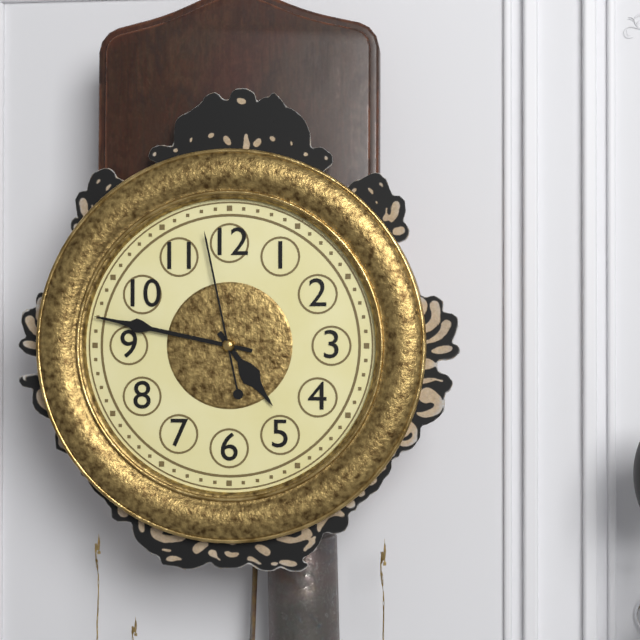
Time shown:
{"hour": 4, "minute": 47, "second": 58}
